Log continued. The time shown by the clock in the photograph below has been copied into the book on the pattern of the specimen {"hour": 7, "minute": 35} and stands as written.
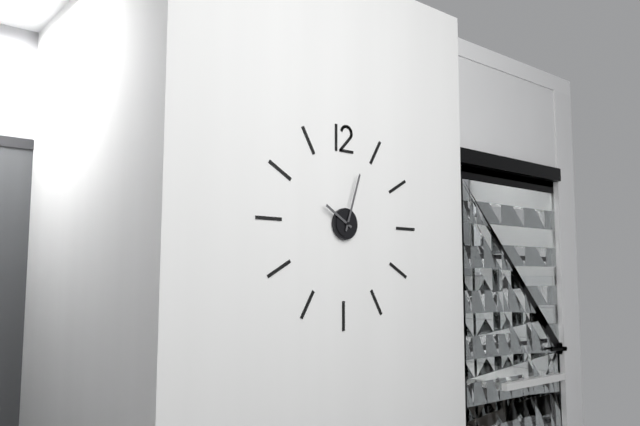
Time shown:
{"hour": 10, "minute": 3}
